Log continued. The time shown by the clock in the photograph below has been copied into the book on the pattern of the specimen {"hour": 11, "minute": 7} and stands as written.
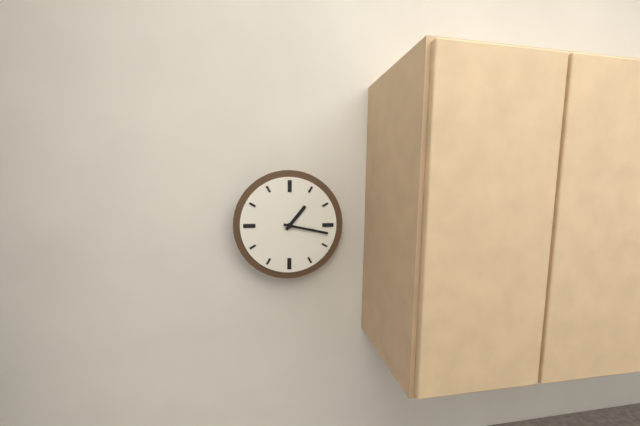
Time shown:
{"hour": 1, "minute": 17}
